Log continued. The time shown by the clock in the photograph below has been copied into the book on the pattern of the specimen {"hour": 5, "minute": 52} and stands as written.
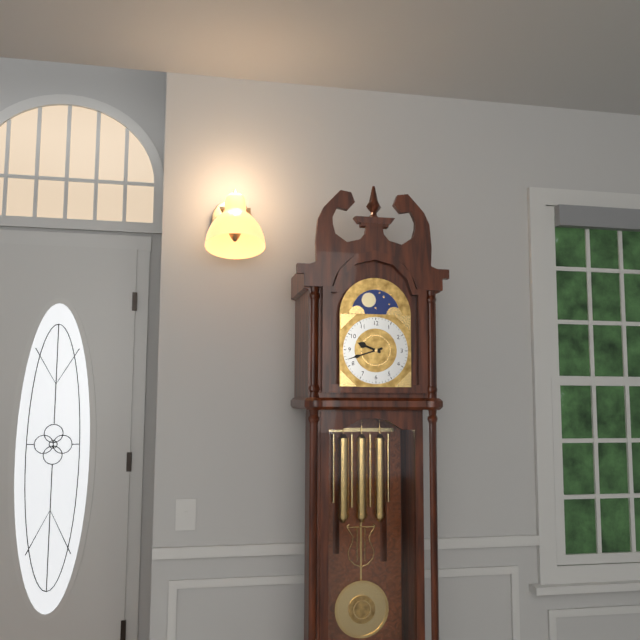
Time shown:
{"hour": 9, "minute": 42}
